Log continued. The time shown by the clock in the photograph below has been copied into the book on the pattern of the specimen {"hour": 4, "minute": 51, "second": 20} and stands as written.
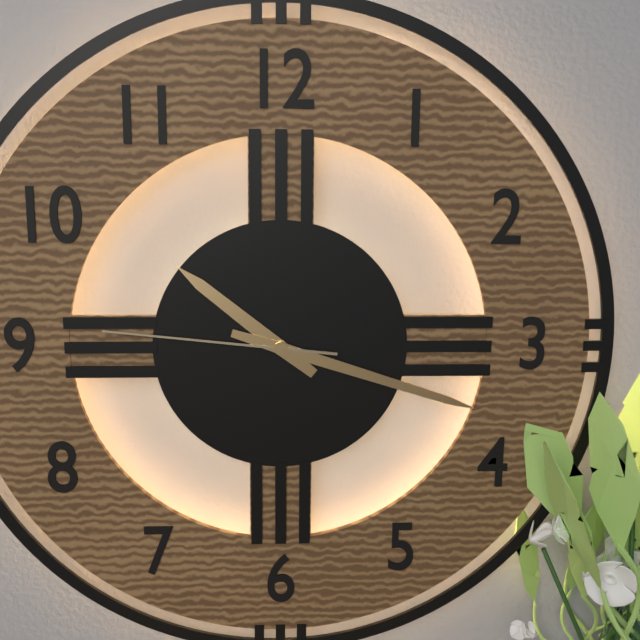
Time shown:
{"hour": 10, "minute": 18, "second": 46}
